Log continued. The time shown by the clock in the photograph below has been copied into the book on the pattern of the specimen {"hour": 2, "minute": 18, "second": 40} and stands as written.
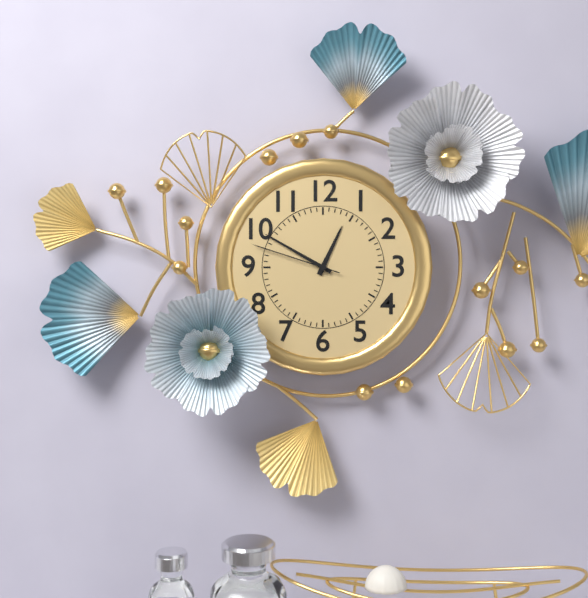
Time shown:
{"hour": 12, "minute": 50, "second": 48}
